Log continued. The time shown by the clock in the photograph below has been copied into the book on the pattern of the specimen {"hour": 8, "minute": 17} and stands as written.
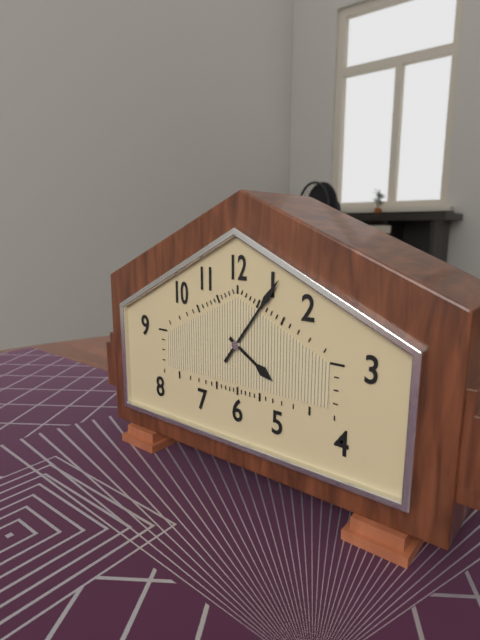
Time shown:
{"hour": 4, "minute": 6}
